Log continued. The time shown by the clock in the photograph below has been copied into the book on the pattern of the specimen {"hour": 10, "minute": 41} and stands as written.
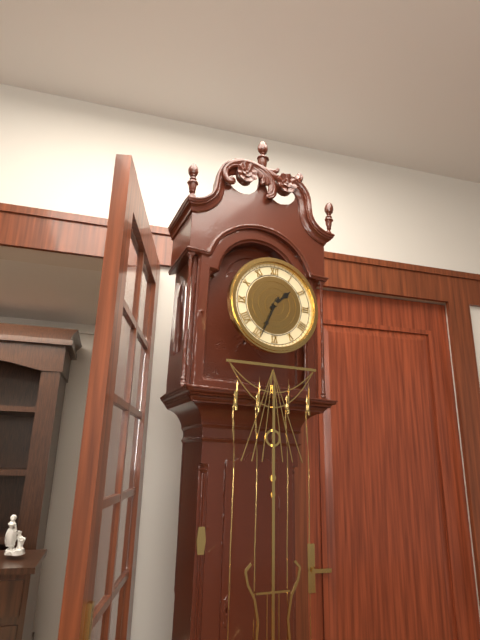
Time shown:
{"hour": 1, "minute": 34}
